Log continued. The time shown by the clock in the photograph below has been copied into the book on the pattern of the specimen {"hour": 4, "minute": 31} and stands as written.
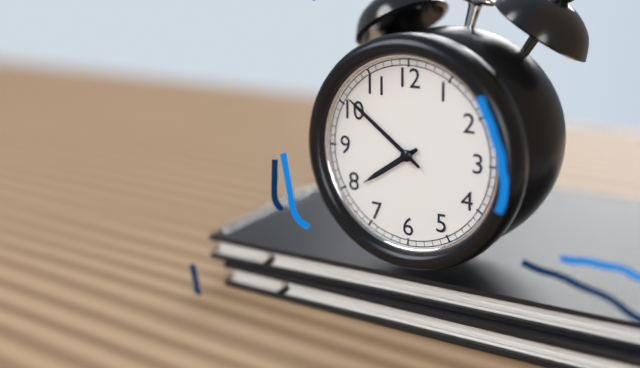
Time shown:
{"hour": 7, "minute": 51}
